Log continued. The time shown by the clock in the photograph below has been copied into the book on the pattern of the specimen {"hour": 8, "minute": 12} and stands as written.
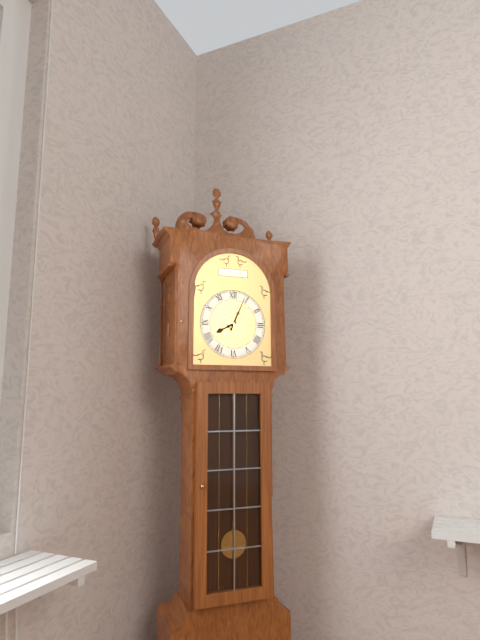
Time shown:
{"hour": 8, "minute": 4}
